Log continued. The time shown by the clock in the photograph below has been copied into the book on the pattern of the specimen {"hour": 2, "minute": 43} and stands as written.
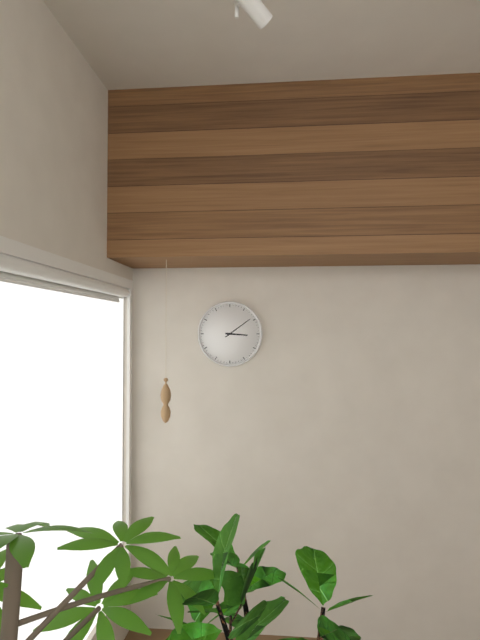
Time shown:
{"hour": 3, "minute": 9}
